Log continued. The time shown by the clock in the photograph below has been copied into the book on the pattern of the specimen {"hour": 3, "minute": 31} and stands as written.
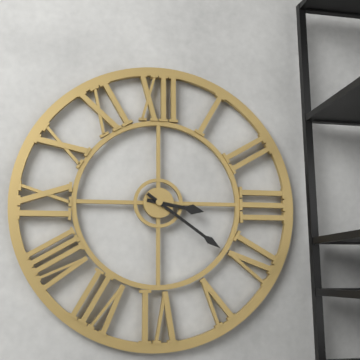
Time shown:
{"hour": 3, "minute": 21}
